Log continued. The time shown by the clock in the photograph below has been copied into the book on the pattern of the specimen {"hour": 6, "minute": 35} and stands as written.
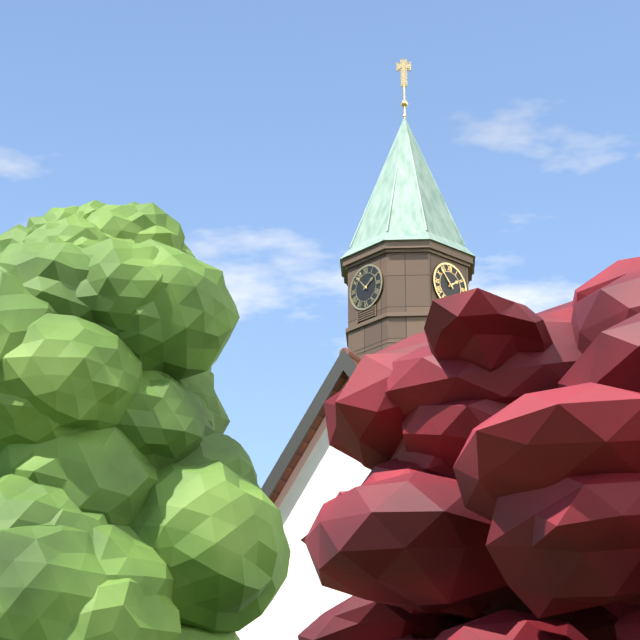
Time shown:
{"hour": 1, "minute": 53}
